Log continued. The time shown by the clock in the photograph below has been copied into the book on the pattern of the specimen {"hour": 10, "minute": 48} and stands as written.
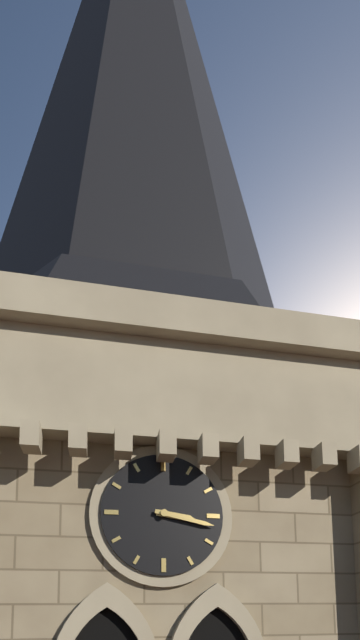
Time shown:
{"hour": 3, "minute": 17}
